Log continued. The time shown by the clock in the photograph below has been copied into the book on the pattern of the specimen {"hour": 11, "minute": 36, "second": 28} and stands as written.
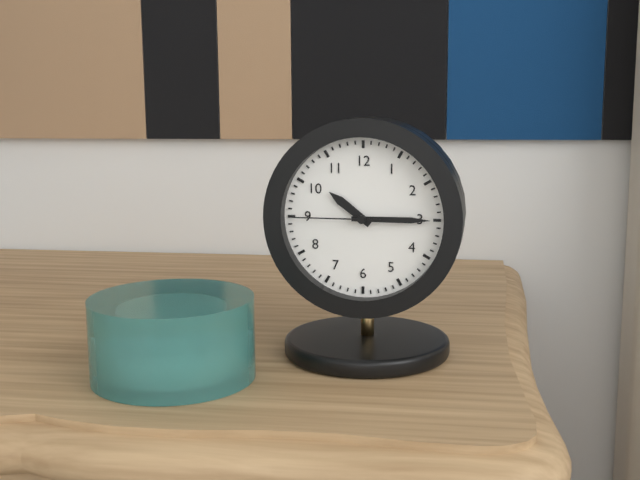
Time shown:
{"hour": 10, "minute": 15, "second": 45}
